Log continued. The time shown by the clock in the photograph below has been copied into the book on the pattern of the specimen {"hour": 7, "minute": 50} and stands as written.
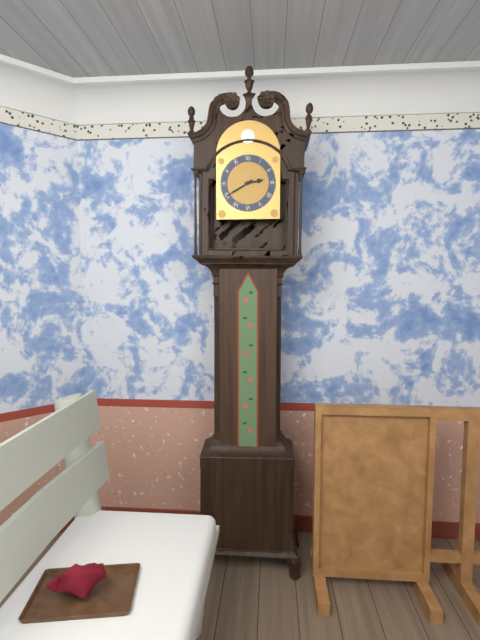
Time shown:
{"hour": 2, "minute": 40}
